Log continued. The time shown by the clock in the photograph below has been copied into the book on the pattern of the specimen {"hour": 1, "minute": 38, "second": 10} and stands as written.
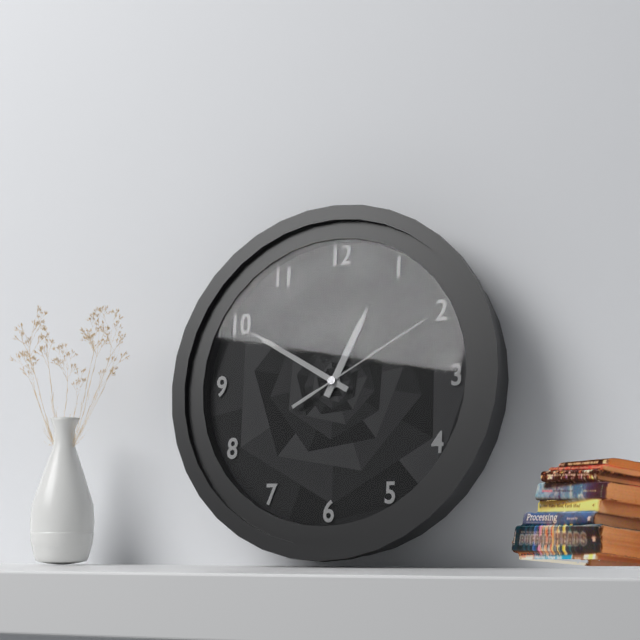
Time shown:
{"hour": 12, "minute": 50, "second": 10}
